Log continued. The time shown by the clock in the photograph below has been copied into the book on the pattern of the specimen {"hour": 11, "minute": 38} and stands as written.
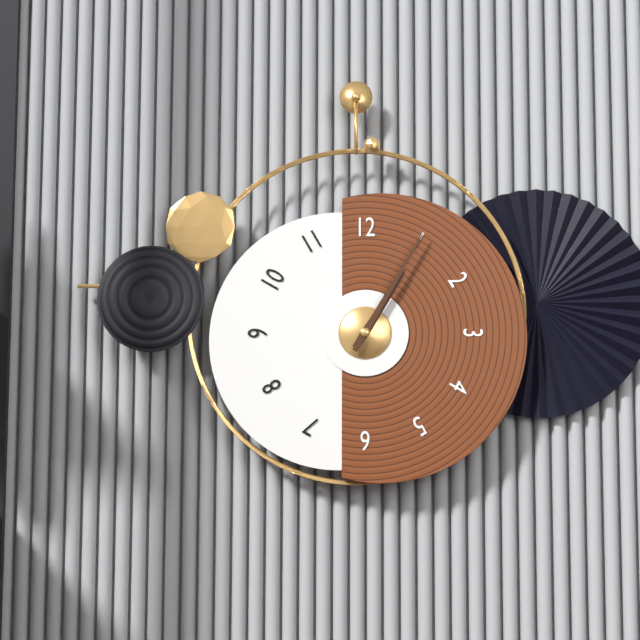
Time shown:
{"hour": 1, "minute": 5}
